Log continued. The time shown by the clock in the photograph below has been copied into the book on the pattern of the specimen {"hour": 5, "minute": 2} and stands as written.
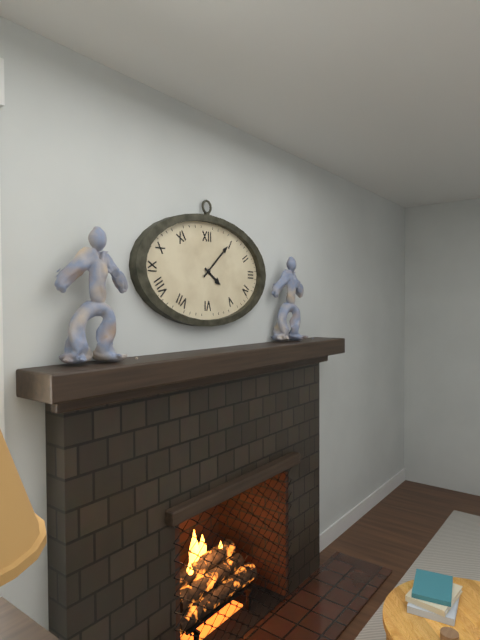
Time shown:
{"hour": 4, "minute": 8}
